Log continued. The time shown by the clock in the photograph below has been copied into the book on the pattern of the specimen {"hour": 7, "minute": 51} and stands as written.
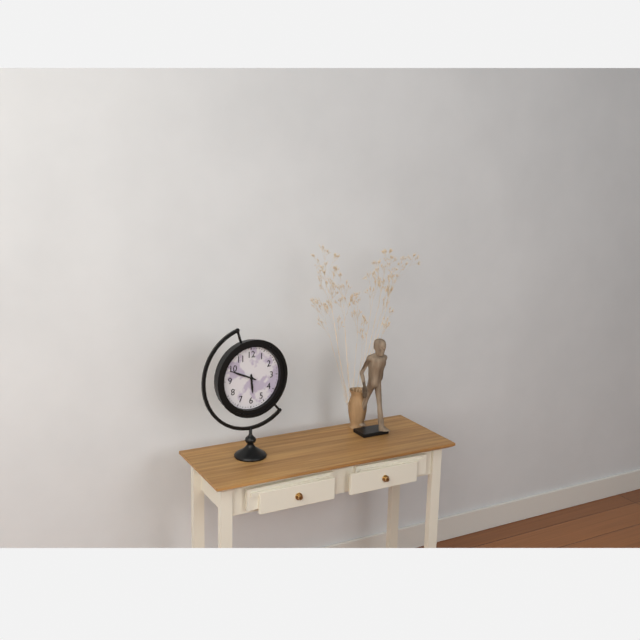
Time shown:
{"hour": 5, "minute": 49}
